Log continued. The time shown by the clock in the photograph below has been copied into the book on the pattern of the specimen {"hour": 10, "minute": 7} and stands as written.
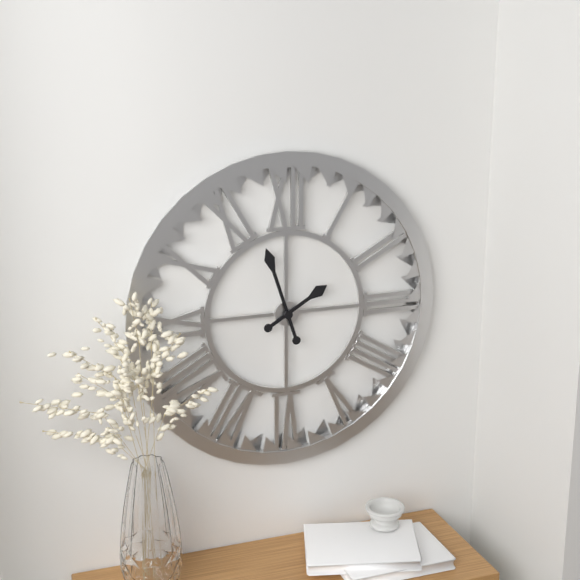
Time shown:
{"hour": 1, "minute": 57}
